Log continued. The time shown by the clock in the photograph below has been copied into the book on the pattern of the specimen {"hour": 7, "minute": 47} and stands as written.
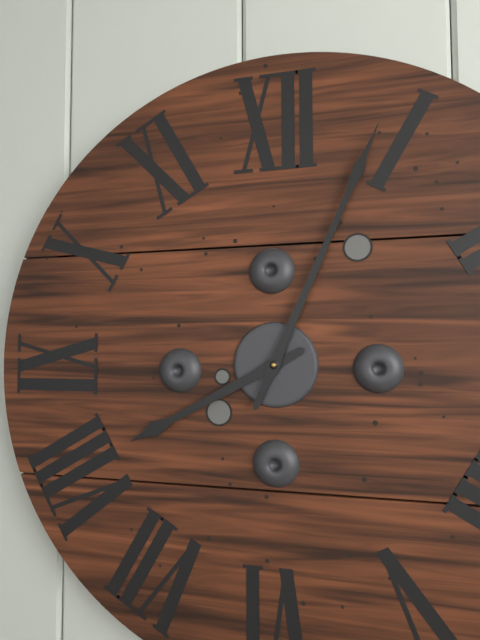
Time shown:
{"hour": 8, "minute": 4}
